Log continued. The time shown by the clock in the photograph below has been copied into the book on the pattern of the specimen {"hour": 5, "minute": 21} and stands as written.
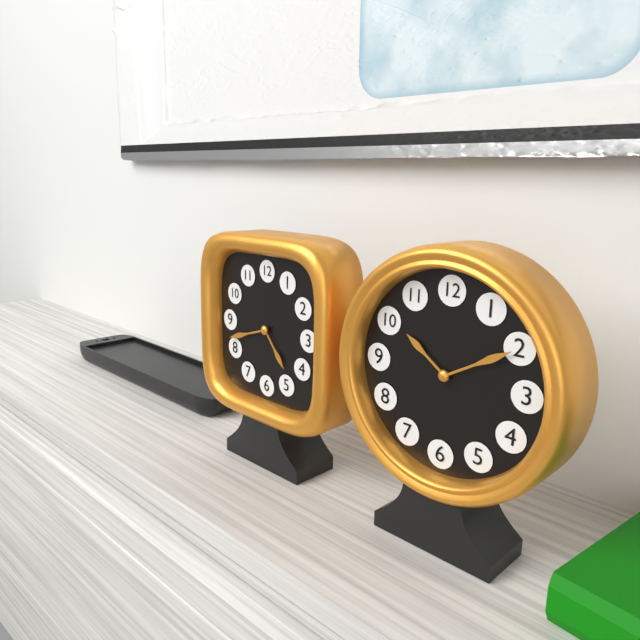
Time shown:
{"hour": 4, "minute": 42}
